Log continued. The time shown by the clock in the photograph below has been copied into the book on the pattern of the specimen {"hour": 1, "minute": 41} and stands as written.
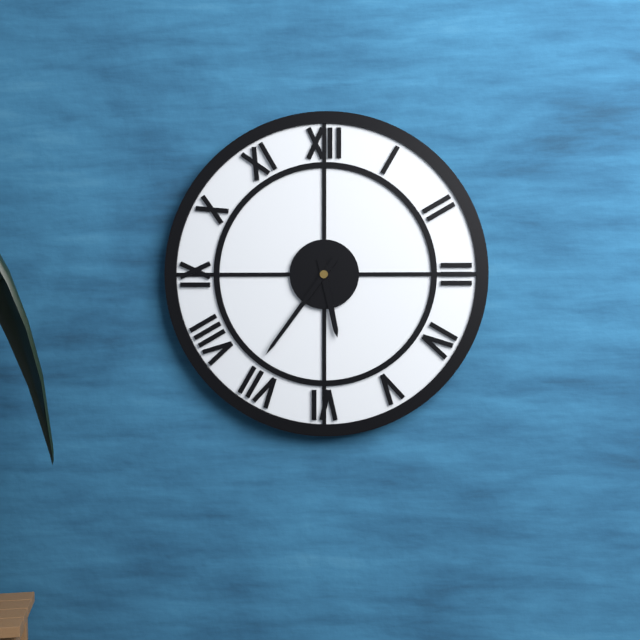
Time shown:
{"hour": 5, "minute": 36}
